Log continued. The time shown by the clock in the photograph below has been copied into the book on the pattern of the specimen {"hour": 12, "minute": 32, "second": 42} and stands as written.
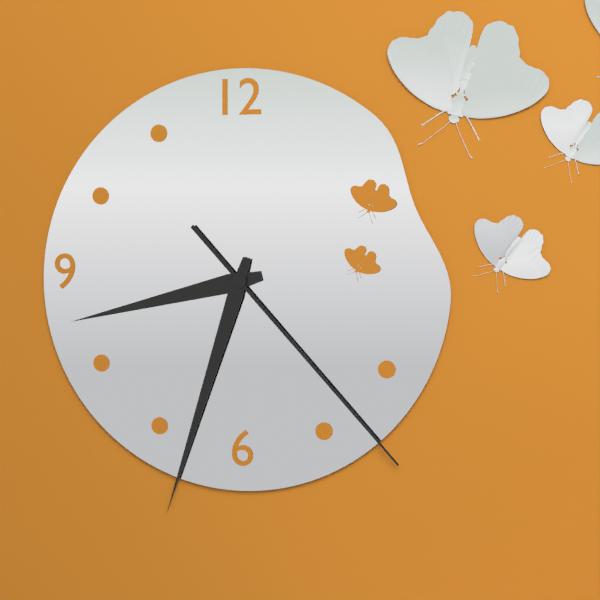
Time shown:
{"hour": 8, "minute": 33, "second": 23}
